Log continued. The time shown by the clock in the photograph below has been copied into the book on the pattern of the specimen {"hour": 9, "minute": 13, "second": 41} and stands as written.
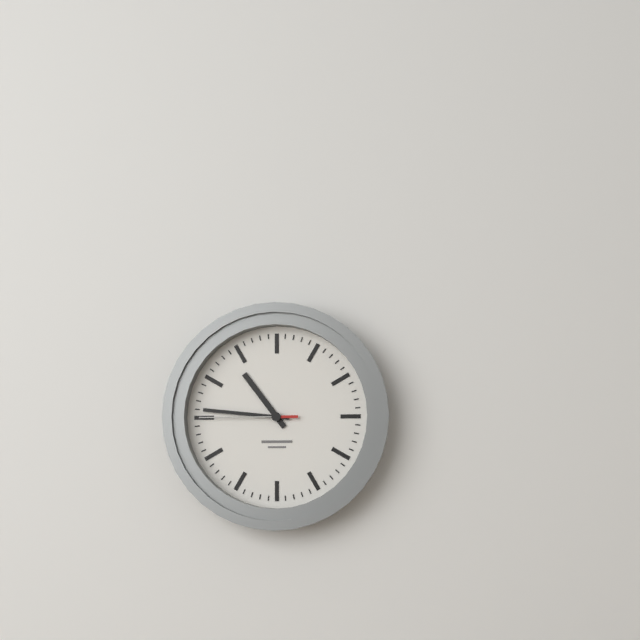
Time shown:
{"hour": 10, "minute": 46, "second": 45}
